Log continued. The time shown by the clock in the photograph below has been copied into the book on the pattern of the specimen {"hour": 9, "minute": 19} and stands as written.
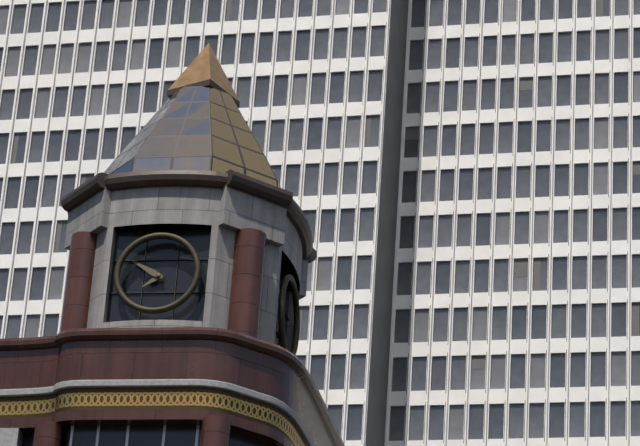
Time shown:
{"hour": 7, "minute": 50}
